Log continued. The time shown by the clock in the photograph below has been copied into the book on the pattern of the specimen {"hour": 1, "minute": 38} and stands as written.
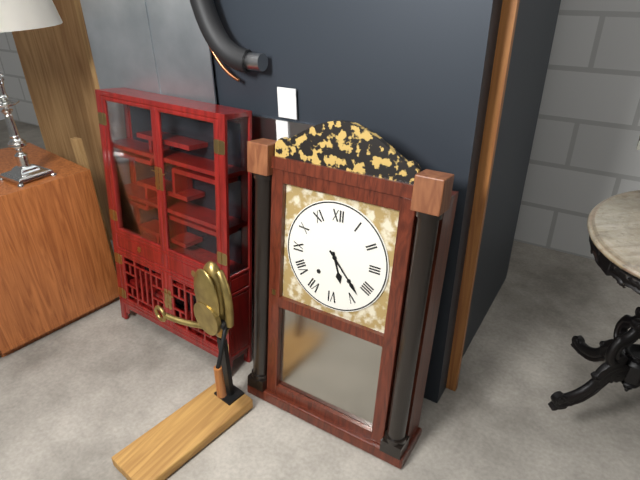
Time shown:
{"hour": 5, "minute": 23}
